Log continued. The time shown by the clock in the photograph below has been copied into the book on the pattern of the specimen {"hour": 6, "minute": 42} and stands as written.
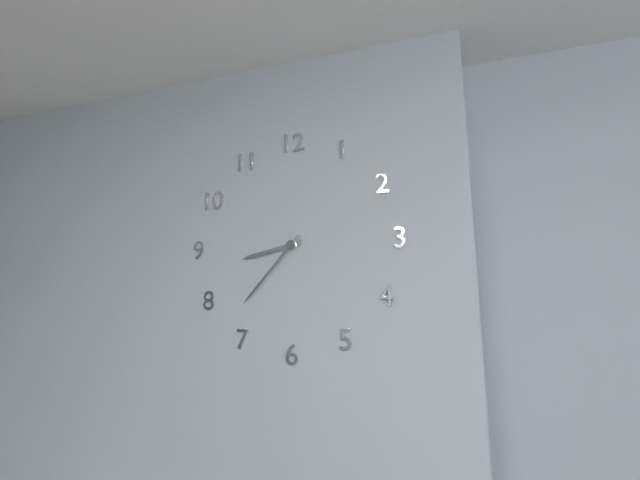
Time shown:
{"hour": 8, "minute": 37}
